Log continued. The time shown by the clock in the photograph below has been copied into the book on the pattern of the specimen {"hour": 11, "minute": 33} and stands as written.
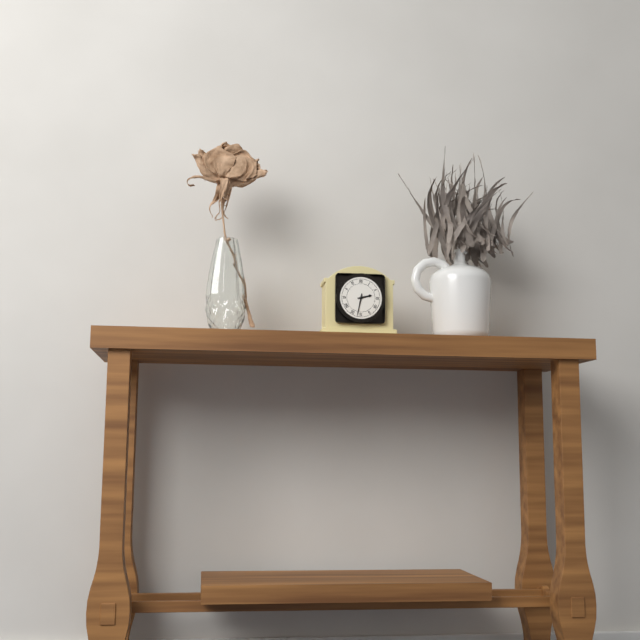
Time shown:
{"hour": 2, "minute": 32}
